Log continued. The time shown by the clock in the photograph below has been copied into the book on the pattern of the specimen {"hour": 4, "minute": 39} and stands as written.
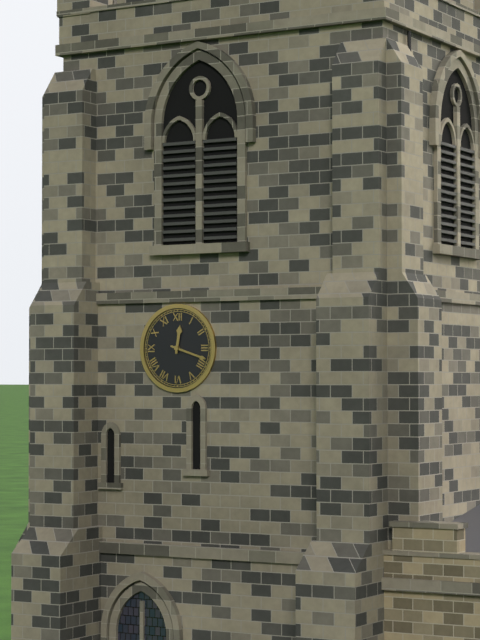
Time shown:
{"hour": 12, "minute": 18}
